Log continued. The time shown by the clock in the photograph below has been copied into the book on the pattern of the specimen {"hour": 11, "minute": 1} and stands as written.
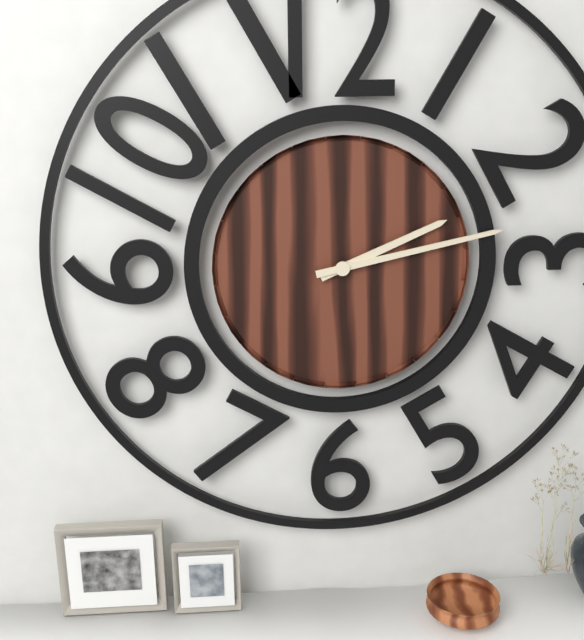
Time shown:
{"hour": 2, "minute": 13}
